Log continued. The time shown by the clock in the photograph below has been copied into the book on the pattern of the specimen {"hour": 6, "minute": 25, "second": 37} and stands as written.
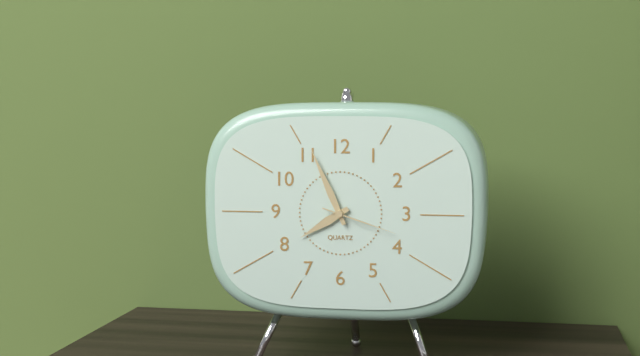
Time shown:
{"hour": 7, "minute": 56, "second": 18}
